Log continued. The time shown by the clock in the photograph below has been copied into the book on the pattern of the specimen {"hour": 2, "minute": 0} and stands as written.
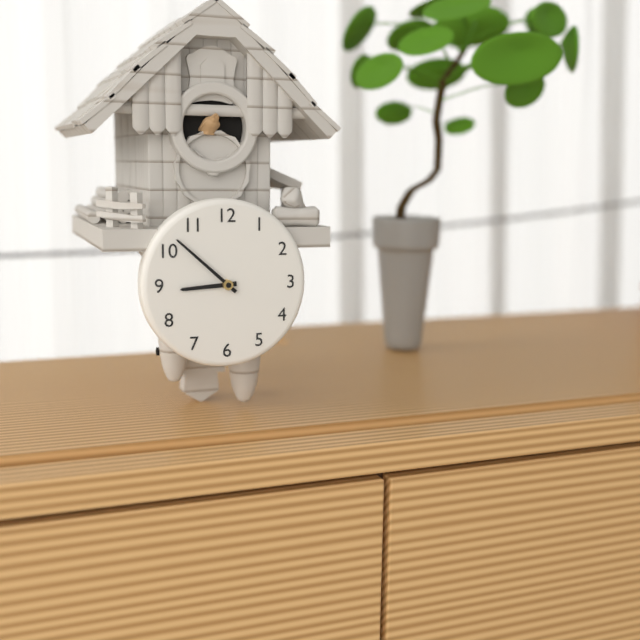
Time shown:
{"hour": 8, "minute": 52}
